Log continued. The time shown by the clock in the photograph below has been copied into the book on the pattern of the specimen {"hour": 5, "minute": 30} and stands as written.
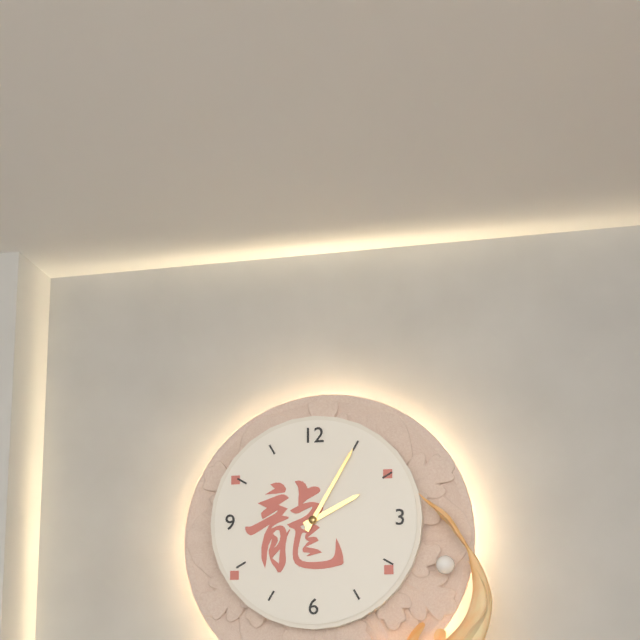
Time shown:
{"hour": 2, "minute": 5}
